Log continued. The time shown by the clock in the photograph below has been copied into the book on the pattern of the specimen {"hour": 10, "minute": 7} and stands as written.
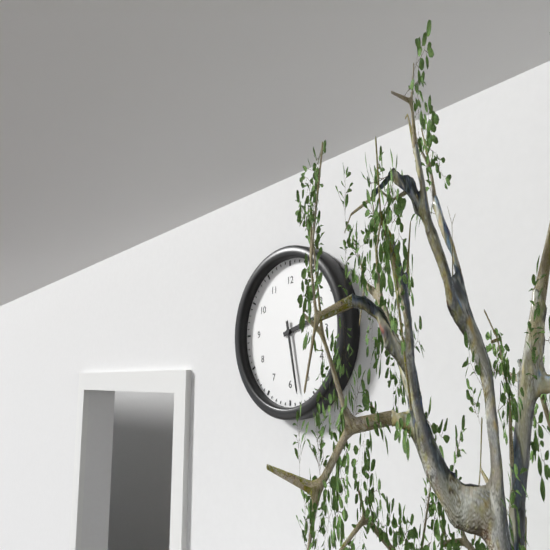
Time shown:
{"hour": 2, "minute": 28}
